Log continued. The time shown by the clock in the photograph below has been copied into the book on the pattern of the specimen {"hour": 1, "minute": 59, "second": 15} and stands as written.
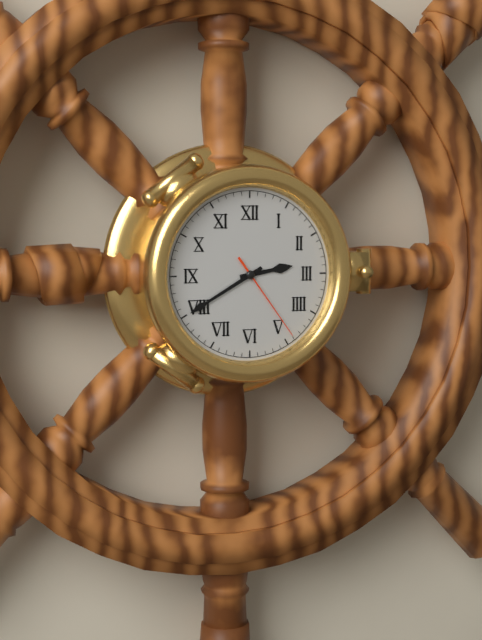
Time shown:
{"hour": 2, "minute": 40, "second": 24}
